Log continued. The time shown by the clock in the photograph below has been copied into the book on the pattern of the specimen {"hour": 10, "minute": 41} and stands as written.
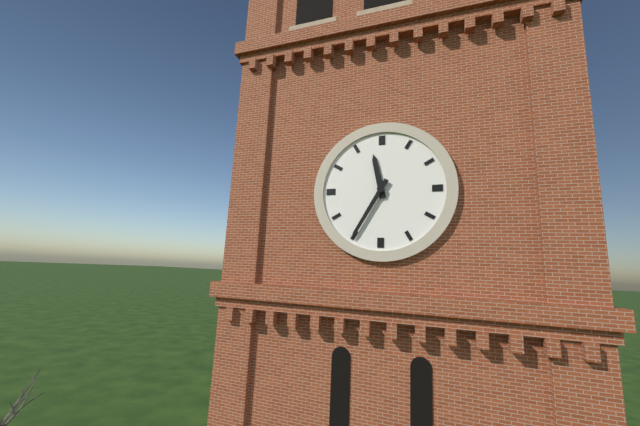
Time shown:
{"hour": 11, "minute": 35}
